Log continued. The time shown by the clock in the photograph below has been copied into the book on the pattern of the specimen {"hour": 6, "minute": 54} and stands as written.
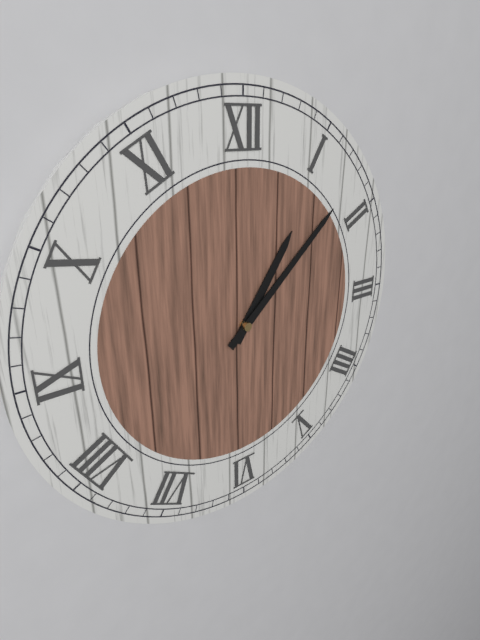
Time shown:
{"hour": 1, "minute": 8}
